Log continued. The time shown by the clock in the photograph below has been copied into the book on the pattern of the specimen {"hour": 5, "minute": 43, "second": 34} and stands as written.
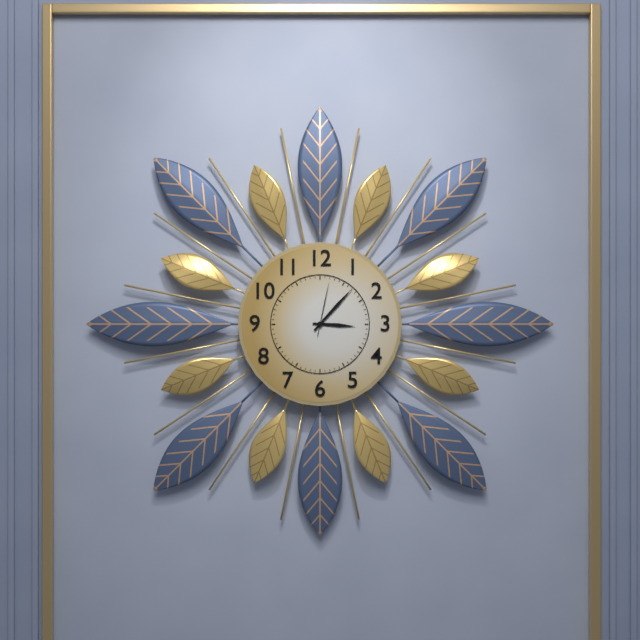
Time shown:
{"hour": 3, "minute": 7, "second": 2}
